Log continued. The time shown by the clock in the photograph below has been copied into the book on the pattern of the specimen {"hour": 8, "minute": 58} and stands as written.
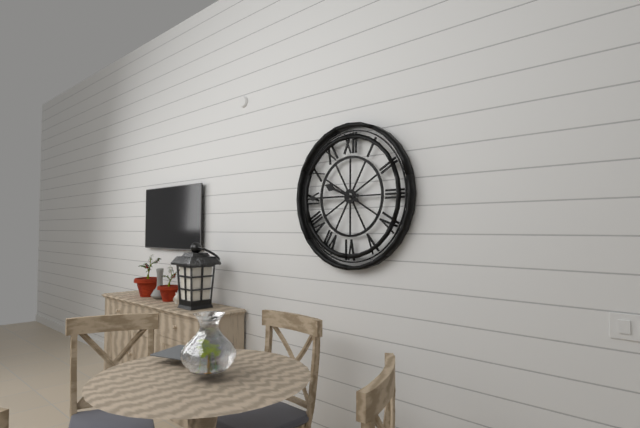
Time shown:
{"hour": 9, "minute": 45}
